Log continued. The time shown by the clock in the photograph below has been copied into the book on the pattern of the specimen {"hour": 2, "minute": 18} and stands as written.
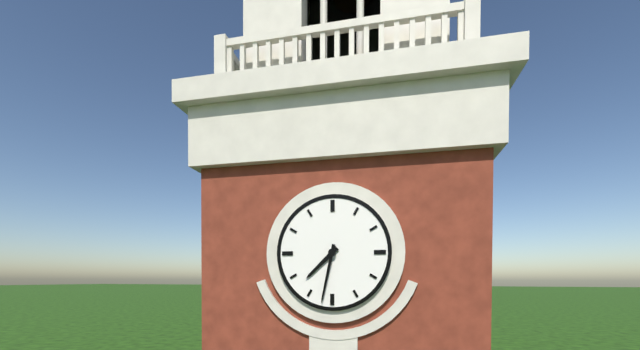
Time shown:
{"hour": 7, "minute": 32}
